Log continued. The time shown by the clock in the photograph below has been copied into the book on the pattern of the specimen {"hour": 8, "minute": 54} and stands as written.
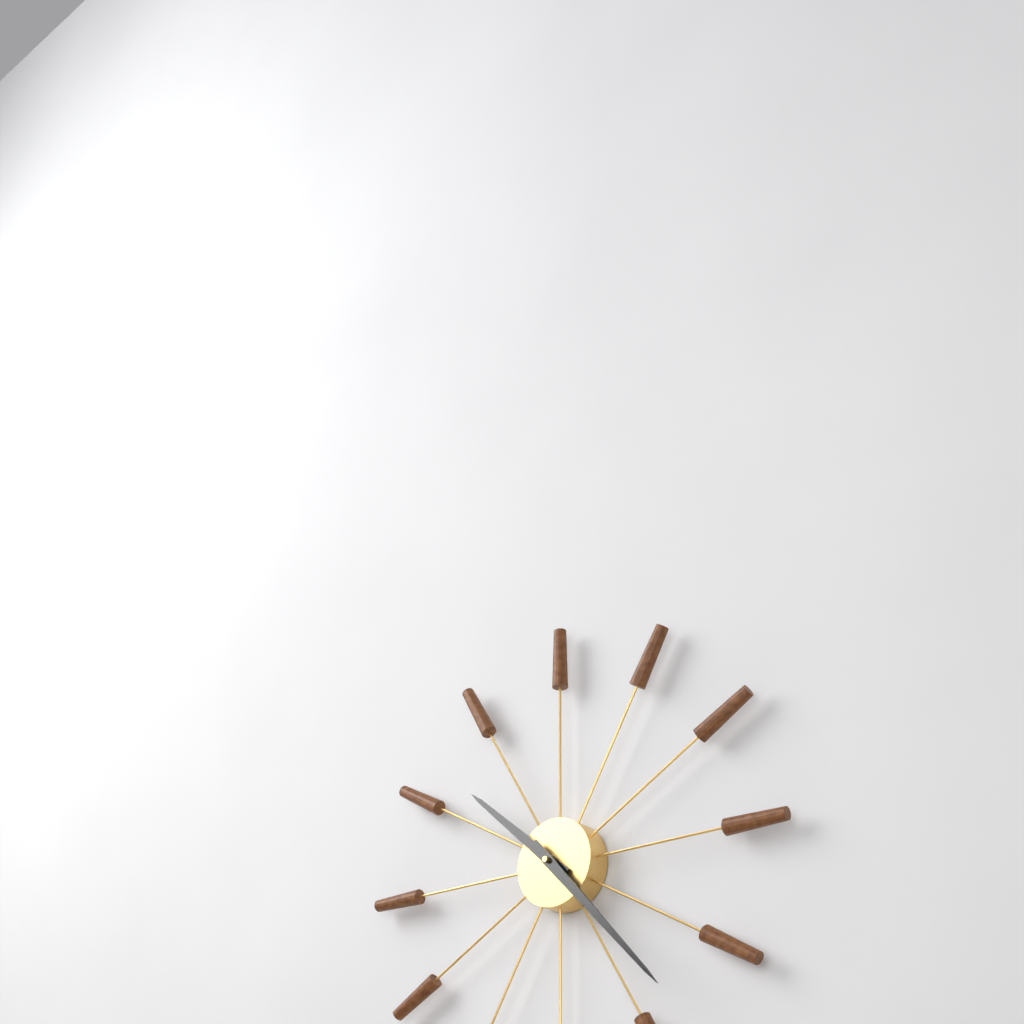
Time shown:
{"hour": 10, "minute": 23}
